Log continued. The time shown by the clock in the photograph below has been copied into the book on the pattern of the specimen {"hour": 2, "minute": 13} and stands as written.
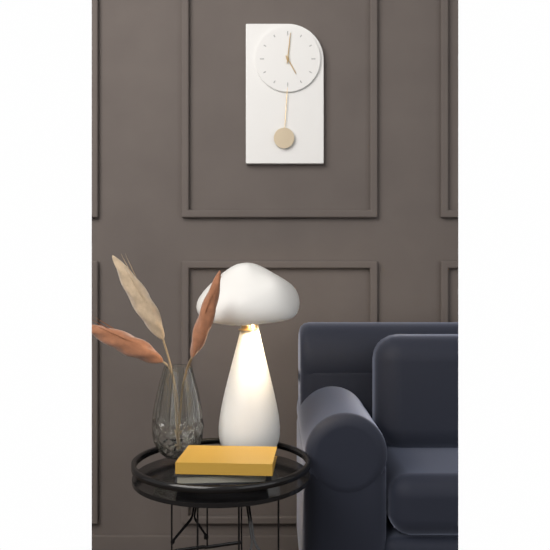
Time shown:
{"hour": 5, "minute": 1}
